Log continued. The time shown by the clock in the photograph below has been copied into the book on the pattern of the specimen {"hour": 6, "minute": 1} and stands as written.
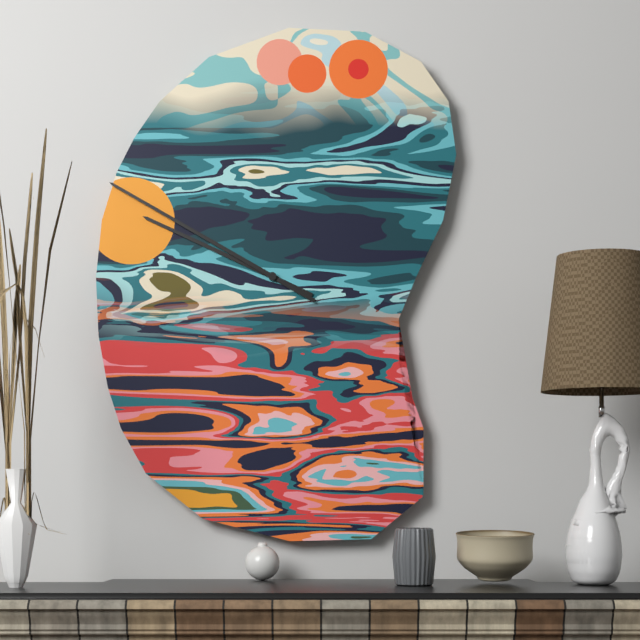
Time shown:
{"hour": 9, "minute": 50}
